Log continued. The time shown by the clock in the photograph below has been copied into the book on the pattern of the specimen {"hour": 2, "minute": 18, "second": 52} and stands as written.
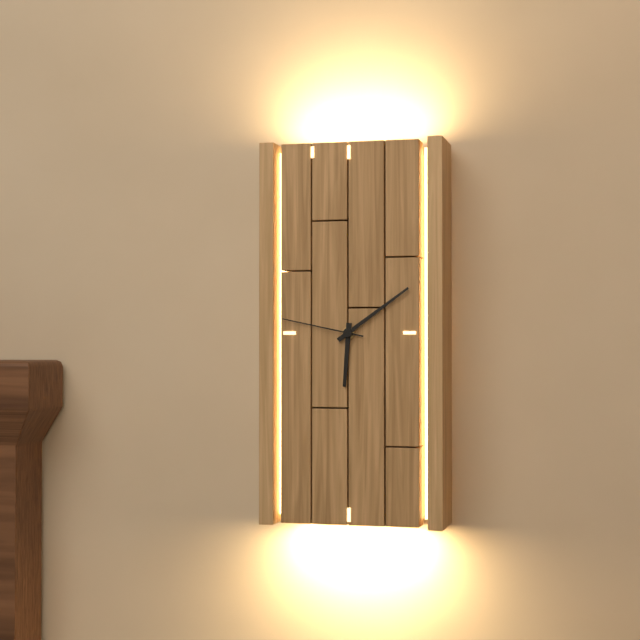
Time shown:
{"hour": 6, "minute": 9, "second": 47}
